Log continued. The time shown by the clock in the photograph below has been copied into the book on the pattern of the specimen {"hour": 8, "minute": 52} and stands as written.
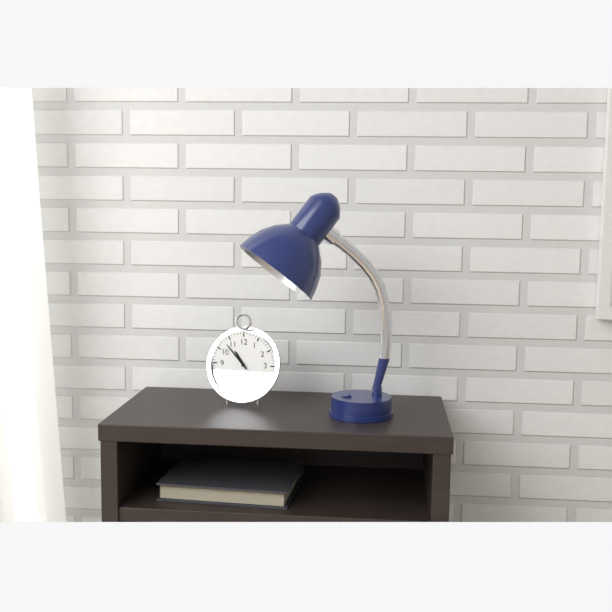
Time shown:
{"hour": 10, "minute": 53}
